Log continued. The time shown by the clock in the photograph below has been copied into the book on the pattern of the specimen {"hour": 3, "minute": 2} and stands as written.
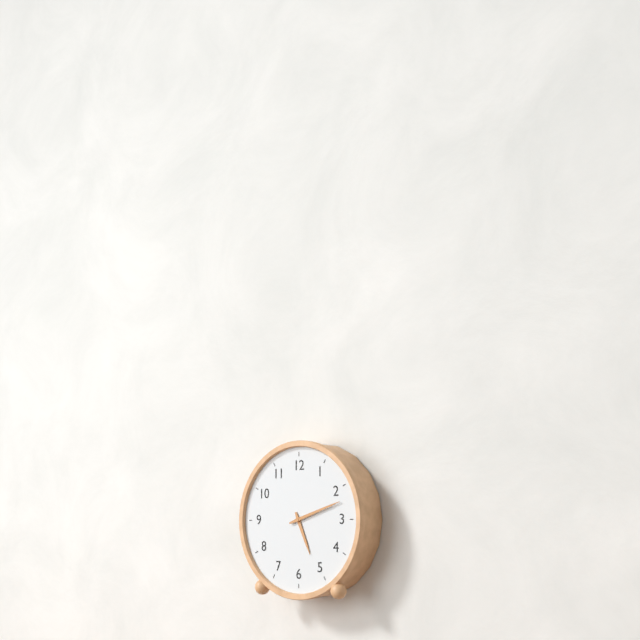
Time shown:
{"hour": 5, "minute": 12}
